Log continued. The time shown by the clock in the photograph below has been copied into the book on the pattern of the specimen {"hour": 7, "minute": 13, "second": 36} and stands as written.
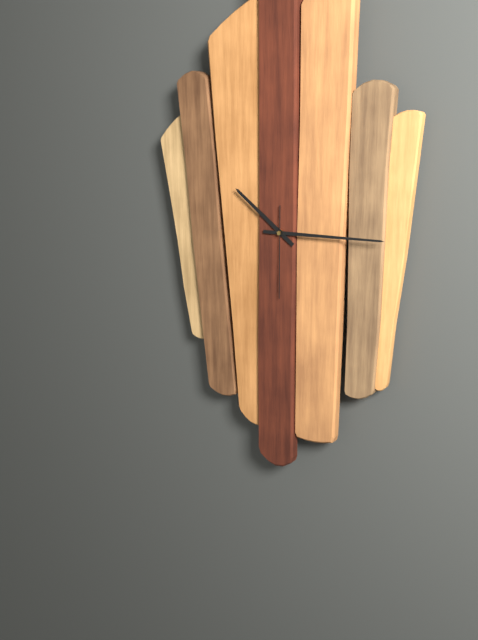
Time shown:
{"hour": 10, "minute": 15, "second": 30}
